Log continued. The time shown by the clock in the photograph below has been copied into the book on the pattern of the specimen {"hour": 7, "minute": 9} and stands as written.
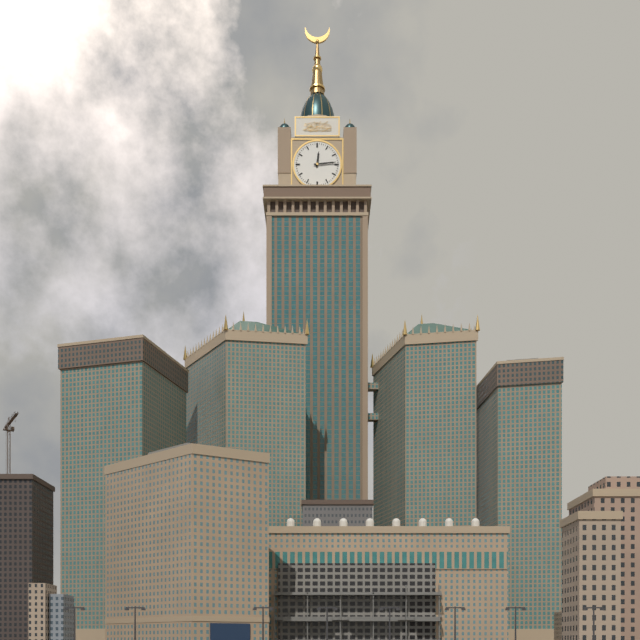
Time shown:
{"hour": 12, "minute": 14}
